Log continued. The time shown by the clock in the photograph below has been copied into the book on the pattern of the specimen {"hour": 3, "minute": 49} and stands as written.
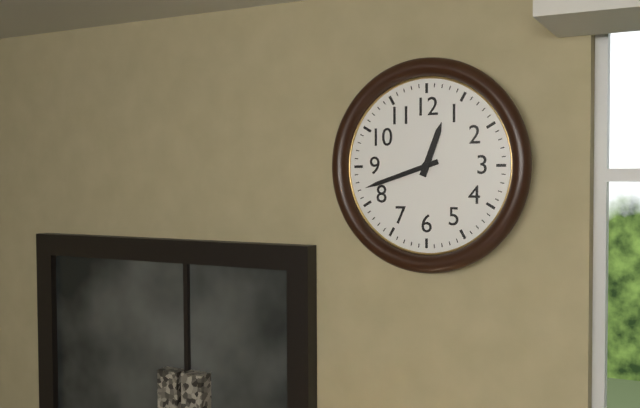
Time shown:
{"hour": 12, "minute": 42}
